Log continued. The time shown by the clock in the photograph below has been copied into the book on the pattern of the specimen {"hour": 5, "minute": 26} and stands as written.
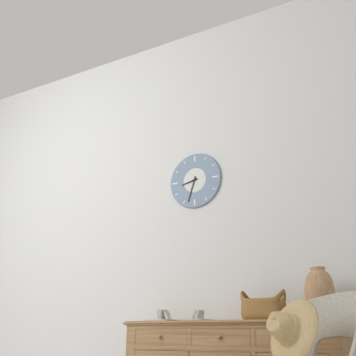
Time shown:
{"hour": 8, "minute": 33}
